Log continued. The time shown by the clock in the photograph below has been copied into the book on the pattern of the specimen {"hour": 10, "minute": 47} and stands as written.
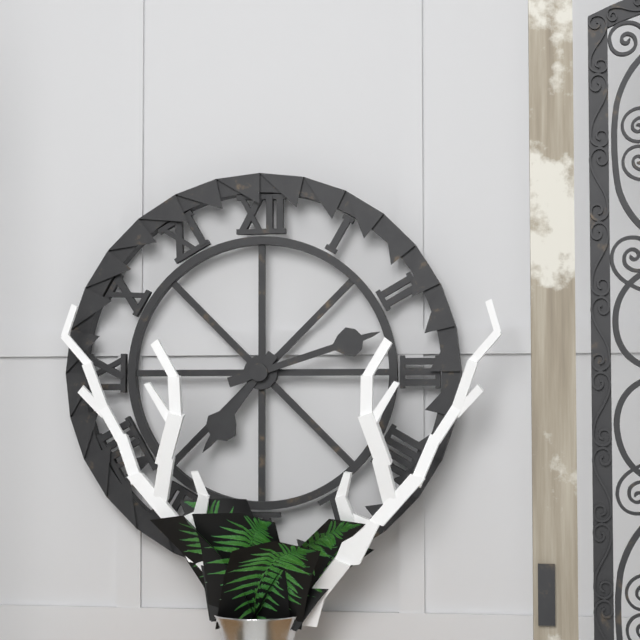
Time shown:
{"hour": 7, "minute": 12}
